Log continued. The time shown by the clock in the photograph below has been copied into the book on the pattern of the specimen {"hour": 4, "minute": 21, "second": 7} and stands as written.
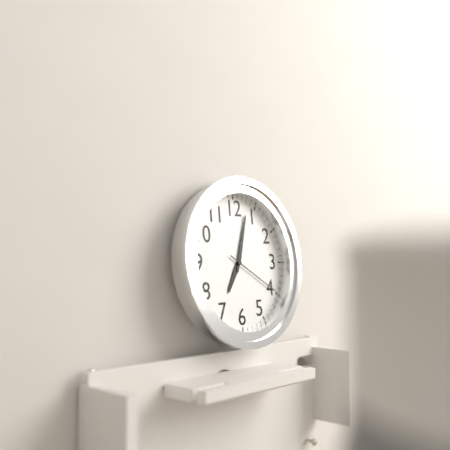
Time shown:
{"hour": 7, "minute": 3, "second": 20}
